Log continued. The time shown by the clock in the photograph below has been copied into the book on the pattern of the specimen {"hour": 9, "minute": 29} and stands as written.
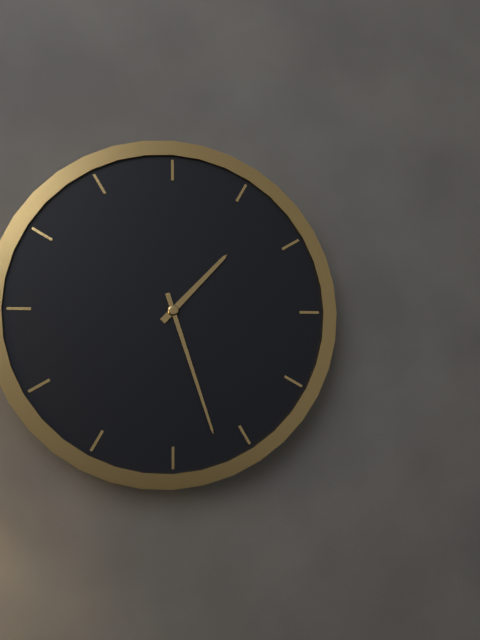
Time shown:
{"hour": 1, "minute": 27}
